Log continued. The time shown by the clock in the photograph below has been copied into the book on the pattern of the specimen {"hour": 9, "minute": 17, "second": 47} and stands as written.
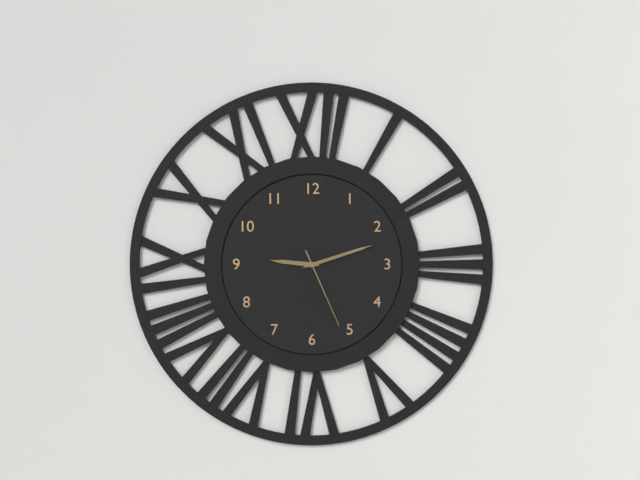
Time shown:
{"hour": 9, "minute": 12, "second": 26}
